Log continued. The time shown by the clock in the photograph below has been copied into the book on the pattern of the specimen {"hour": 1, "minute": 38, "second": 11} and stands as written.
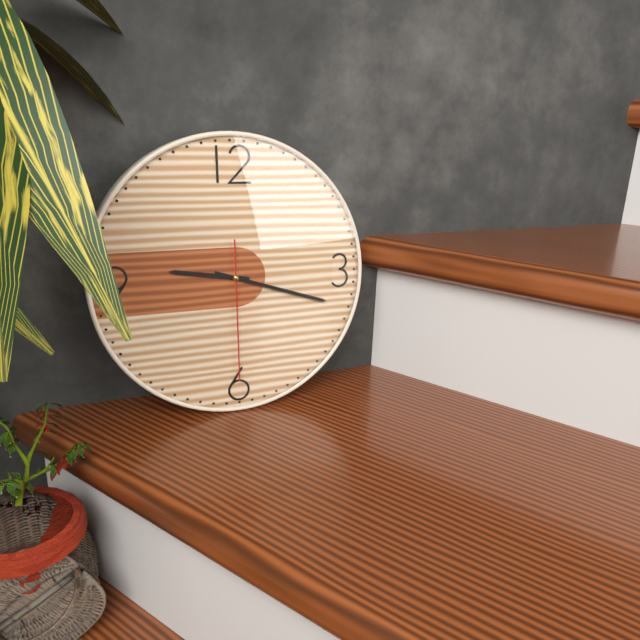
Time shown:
{"hour": 9, "minute": 18, "second": 30}
